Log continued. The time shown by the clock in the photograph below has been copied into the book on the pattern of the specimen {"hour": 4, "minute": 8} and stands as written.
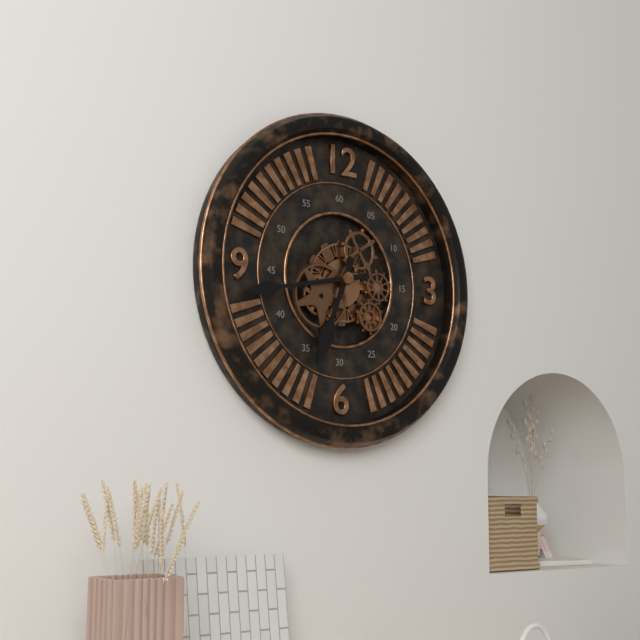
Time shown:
{"hour": 6, "minute": 43}
